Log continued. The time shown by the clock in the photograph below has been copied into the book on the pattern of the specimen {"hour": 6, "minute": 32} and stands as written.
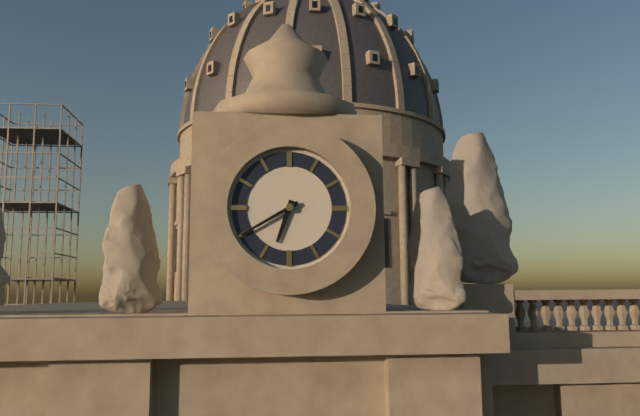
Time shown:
{"hour": 6, "minute": 40}
